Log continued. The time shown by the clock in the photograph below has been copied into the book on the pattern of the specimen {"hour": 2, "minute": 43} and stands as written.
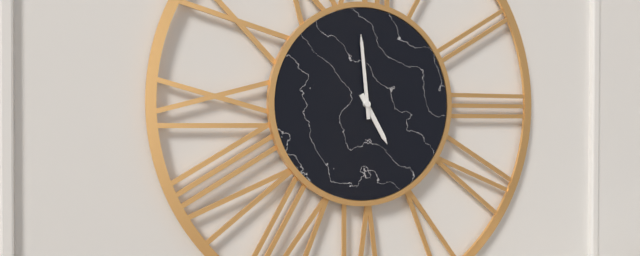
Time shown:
{"hour": 4, "minute": 59}
